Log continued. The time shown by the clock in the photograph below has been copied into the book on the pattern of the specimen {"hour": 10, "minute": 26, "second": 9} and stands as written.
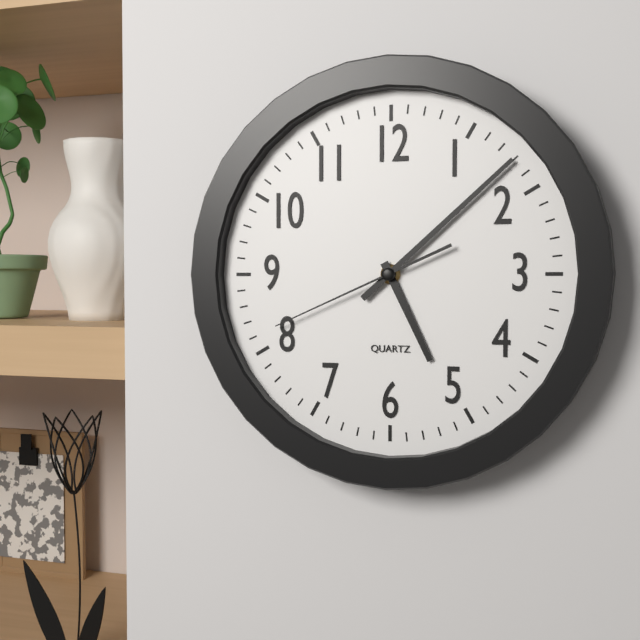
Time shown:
{"hour": 5, "minute": 8, "second": 41}
